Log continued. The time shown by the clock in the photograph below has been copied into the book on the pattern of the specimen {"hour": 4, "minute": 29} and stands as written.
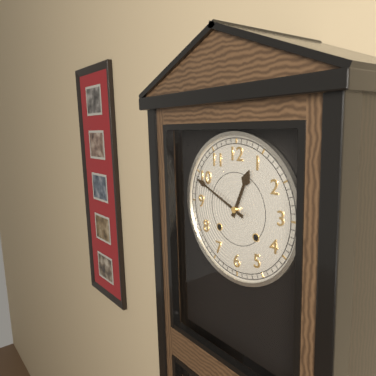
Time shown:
{"hour": 12, "minute": 49}
